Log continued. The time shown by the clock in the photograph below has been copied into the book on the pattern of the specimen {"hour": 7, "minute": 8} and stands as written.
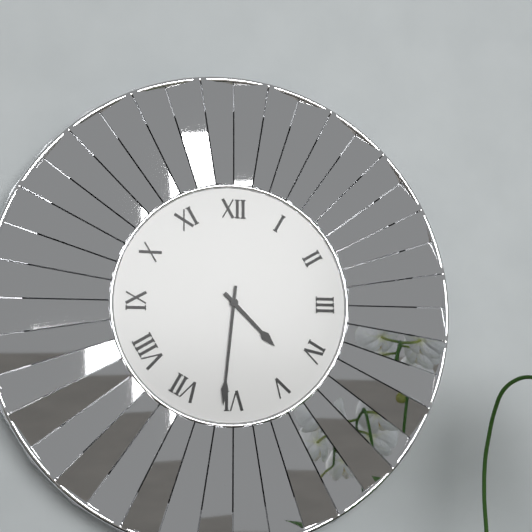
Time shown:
{"hour": 4, "minute": 31}
